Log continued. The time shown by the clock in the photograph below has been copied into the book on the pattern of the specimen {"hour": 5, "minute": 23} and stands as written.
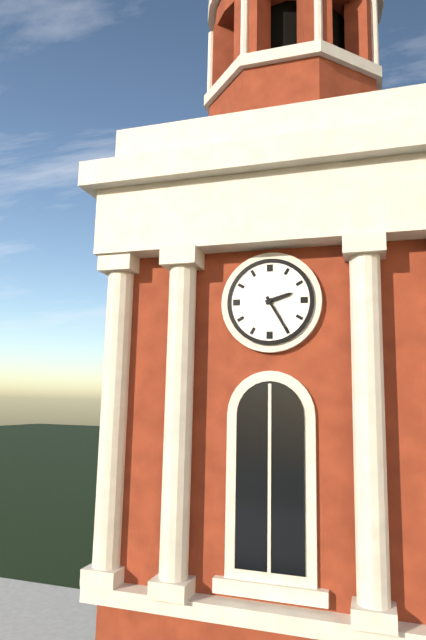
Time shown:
{"hour": 2, "minute": 25}
